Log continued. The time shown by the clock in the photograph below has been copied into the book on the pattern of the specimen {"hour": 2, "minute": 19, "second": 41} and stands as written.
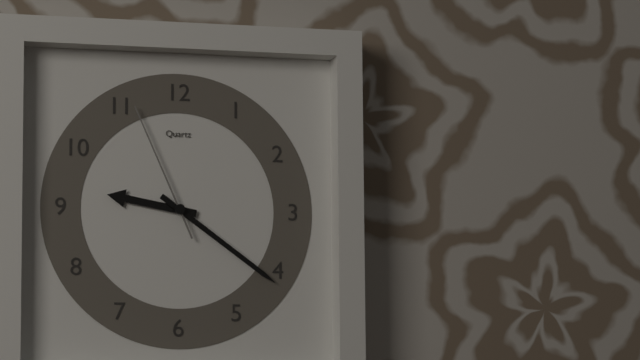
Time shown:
{"hour": 9, "minute": 21, "second": 56}
